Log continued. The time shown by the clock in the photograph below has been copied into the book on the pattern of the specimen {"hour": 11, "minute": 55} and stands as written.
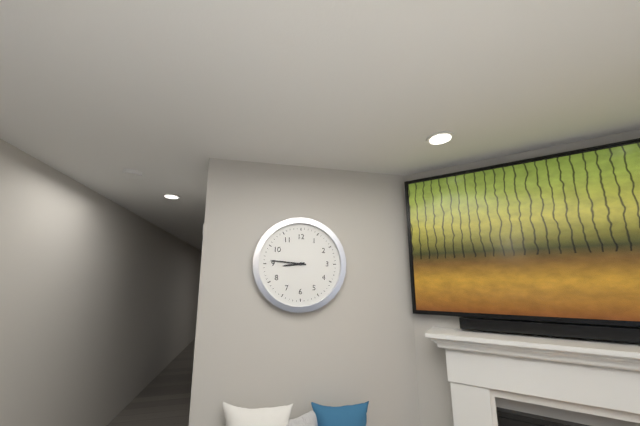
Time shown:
{"hour": 8, "minute": 46}
